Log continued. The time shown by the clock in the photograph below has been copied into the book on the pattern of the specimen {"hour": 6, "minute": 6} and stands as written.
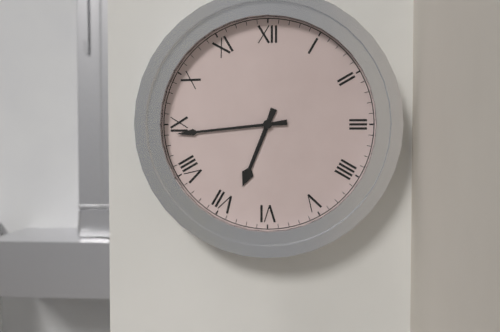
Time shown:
{"hour": 6, "minute": 44}
